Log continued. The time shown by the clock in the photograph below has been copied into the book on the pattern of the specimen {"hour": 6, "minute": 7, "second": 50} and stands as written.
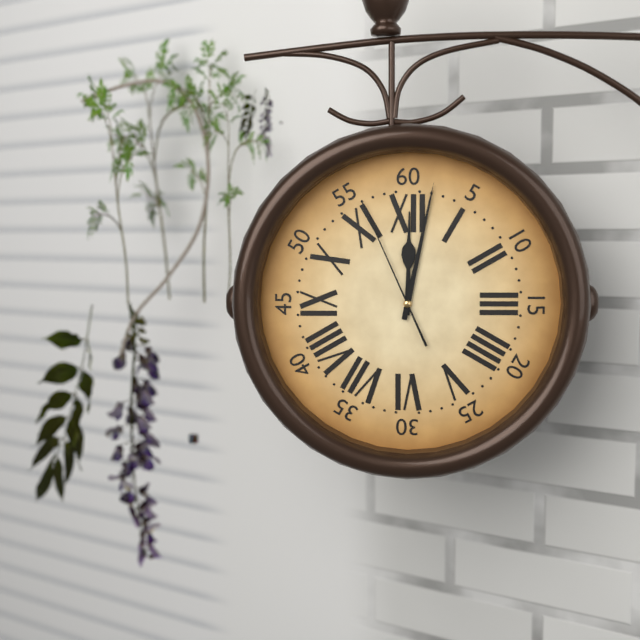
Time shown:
{"hour": 12, "minute": 2, "second": 56}
